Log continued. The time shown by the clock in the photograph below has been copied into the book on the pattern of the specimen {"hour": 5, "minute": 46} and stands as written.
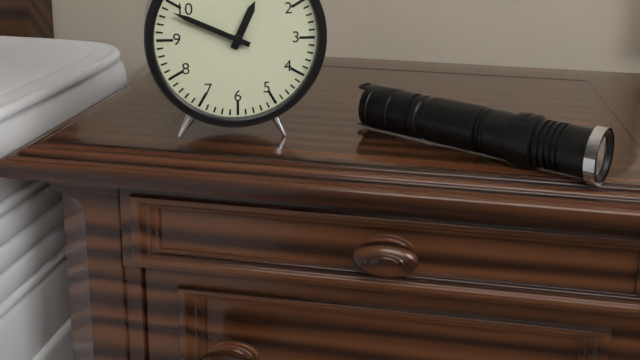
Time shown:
{"hour": 12, "minute": 49}
